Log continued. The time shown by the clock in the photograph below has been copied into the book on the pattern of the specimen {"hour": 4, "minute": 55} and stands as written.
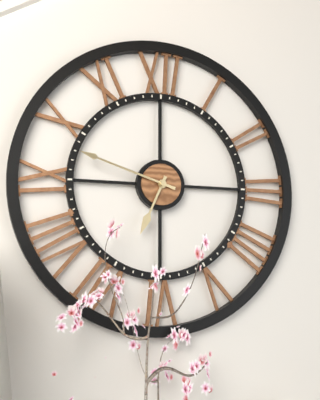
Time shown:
{"hour": 6, "minute": 48}
